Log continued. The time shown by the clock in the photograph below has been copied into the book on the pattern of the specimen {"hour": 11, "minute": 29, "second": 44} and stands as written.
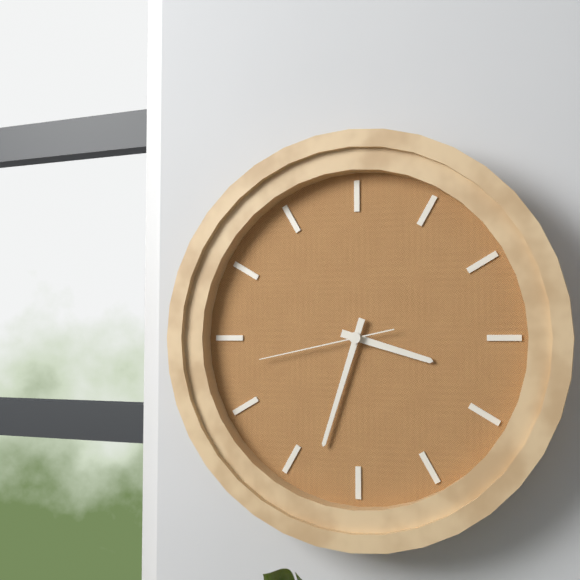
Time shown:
{"hour": 3, "minute": 33, "second": 43}
